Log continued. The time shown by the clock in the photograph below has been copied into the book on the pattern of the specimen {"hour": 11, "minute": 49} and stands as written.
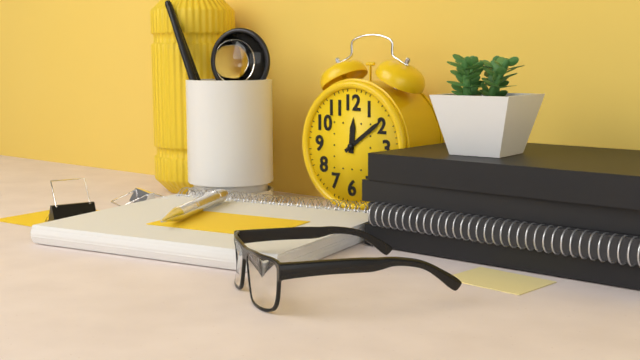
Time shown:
{"hour": 12, "minute": 9}
